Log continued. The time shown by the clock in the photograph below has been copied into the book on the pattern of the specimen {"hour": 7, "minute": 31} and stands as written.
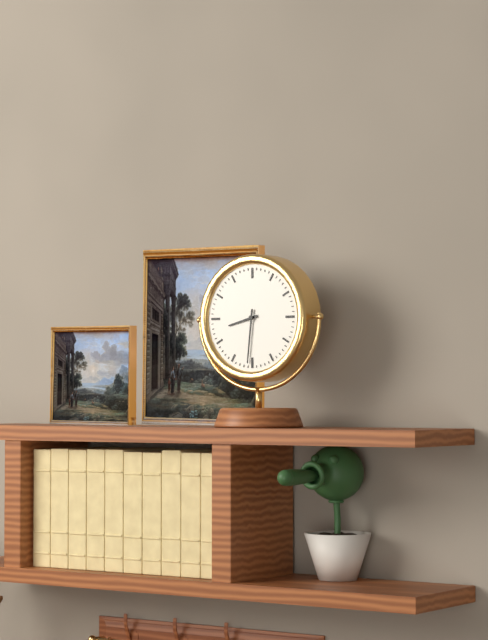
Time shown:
{"hour": 8, "minute": 31}
